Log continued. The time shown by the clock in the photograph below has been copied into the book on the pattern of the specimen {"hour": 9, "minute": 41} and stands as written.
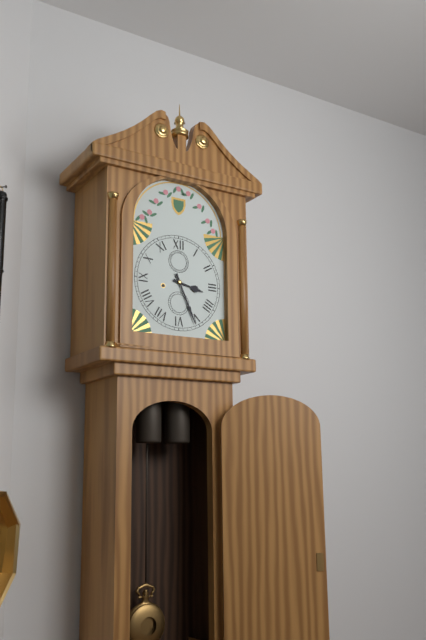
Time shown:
{"hour": 3, "minute": 26}
